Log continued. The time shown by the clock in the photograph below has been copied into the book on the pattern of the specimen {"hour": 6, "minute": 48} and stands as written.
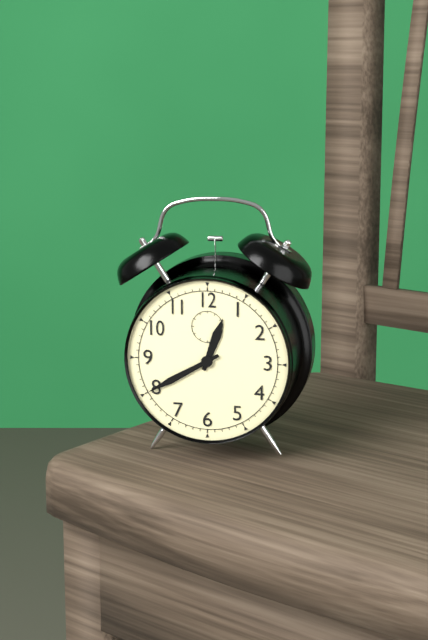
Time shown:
{"hour": 12, "minute": 40}
